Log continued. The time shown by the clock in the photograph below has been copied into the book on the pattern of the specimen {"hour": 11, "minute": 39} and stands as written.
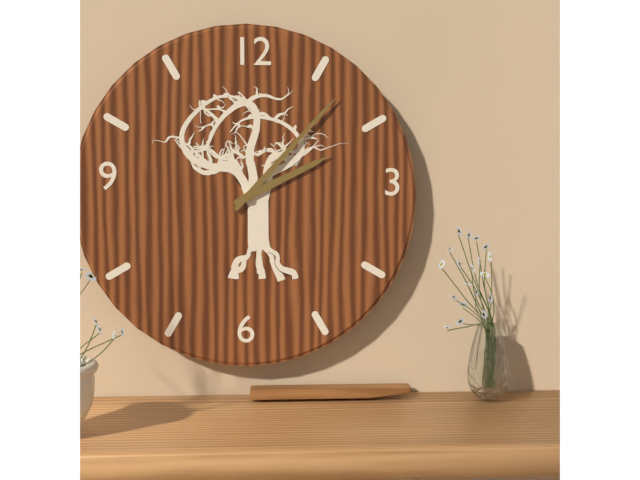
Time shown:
{"hour": 2, "minute": 7}
